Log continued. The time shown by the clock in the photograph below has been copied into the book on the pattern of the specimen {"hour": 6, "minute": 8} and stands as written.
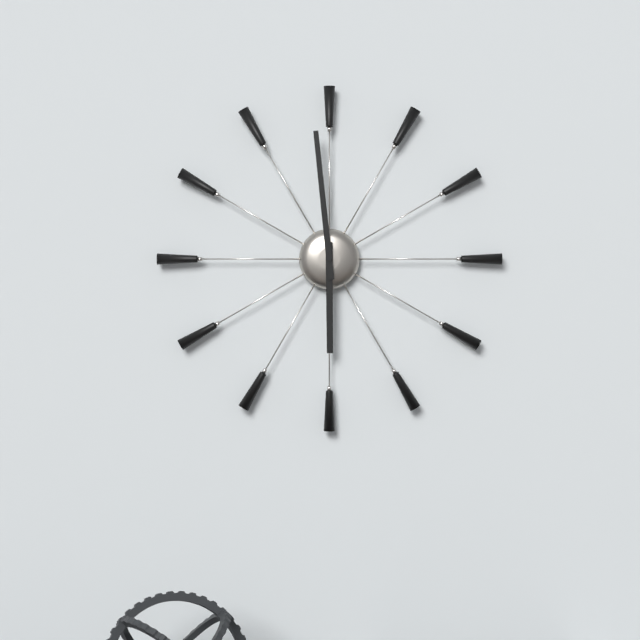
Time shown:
{"hour": 5, "minute": 59}
